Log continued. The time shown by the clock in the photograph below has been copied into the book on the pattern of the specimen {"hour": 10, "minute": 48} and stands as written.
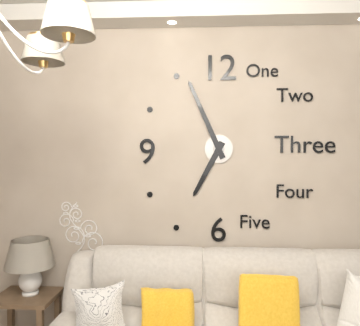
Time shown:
{"hour": 6, "minute": 56}
